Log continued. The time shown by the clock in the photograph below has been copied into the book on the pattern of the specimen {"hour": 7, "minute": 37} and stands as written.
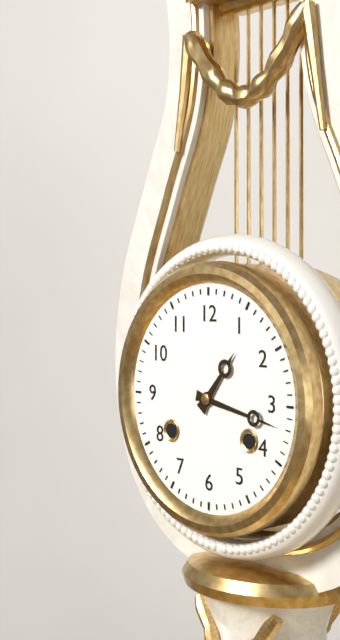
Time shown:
{"hour": 1, "minute": 17}
